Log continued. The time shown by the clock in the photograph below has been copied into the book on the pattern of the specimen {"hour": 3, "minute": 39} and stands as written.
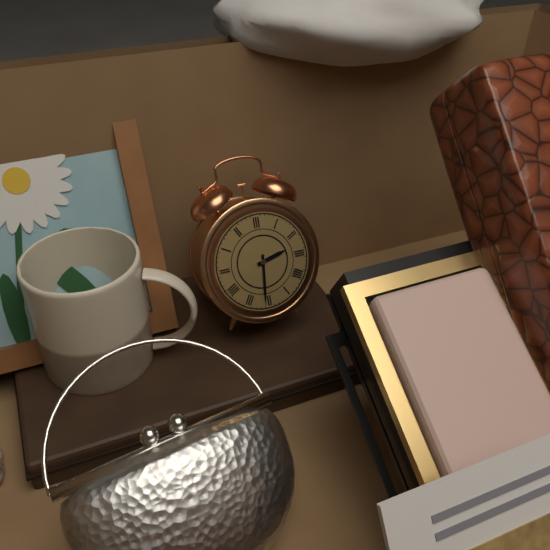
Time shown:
{"hour": 2, "minute": 31}
